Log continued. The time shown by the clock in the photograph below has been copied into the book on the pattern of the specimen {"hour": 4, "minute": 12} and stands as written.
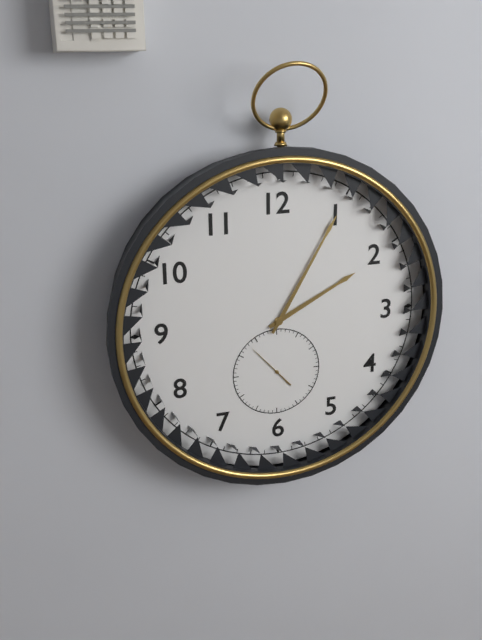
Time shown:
{"hour": 2, "minute": 5}
